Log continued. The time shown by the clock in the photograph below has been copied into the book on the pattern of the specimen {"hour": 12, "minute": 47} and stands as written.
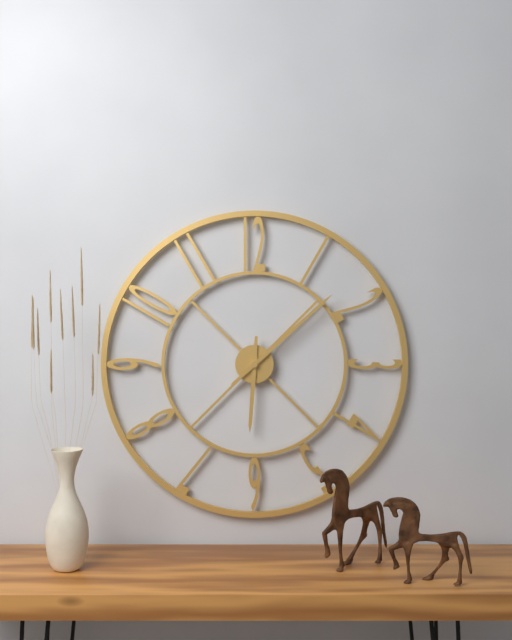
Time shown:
{"hour": 6, "minute": 8}
